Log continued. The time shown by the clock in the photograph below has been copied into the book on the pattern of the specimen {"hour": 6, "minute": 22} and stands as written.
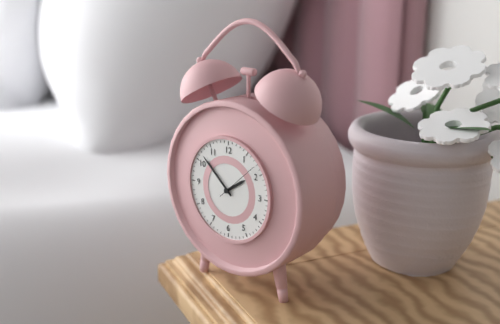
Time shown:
{"hour": 1, "minute": 52}
